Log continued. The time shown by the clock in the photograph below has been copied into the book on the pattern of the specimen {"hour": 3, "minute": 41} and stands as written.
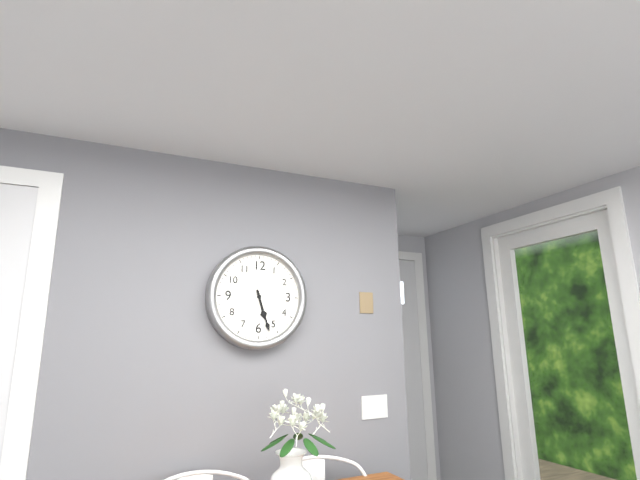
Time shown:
{"hour": 5, "minute": 27}
